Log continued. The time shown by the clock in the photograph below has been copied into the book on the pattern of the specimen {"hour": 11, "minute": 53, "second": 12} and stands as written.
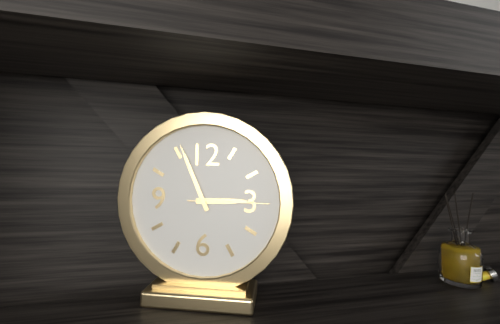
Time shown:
{"hour": 2, "minute": 56, "second": 15}
